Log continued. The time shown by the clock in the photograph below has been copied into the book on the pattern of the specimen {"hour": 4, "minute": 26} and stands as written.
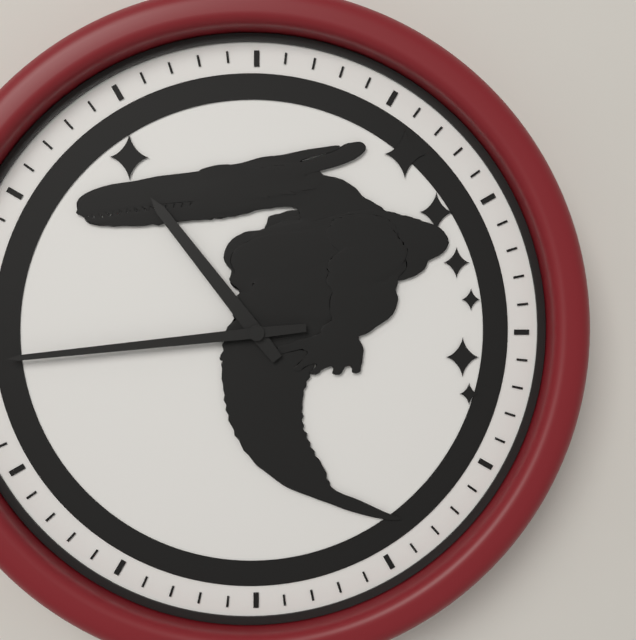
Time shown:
{"hour": 10, "minute": 44}
